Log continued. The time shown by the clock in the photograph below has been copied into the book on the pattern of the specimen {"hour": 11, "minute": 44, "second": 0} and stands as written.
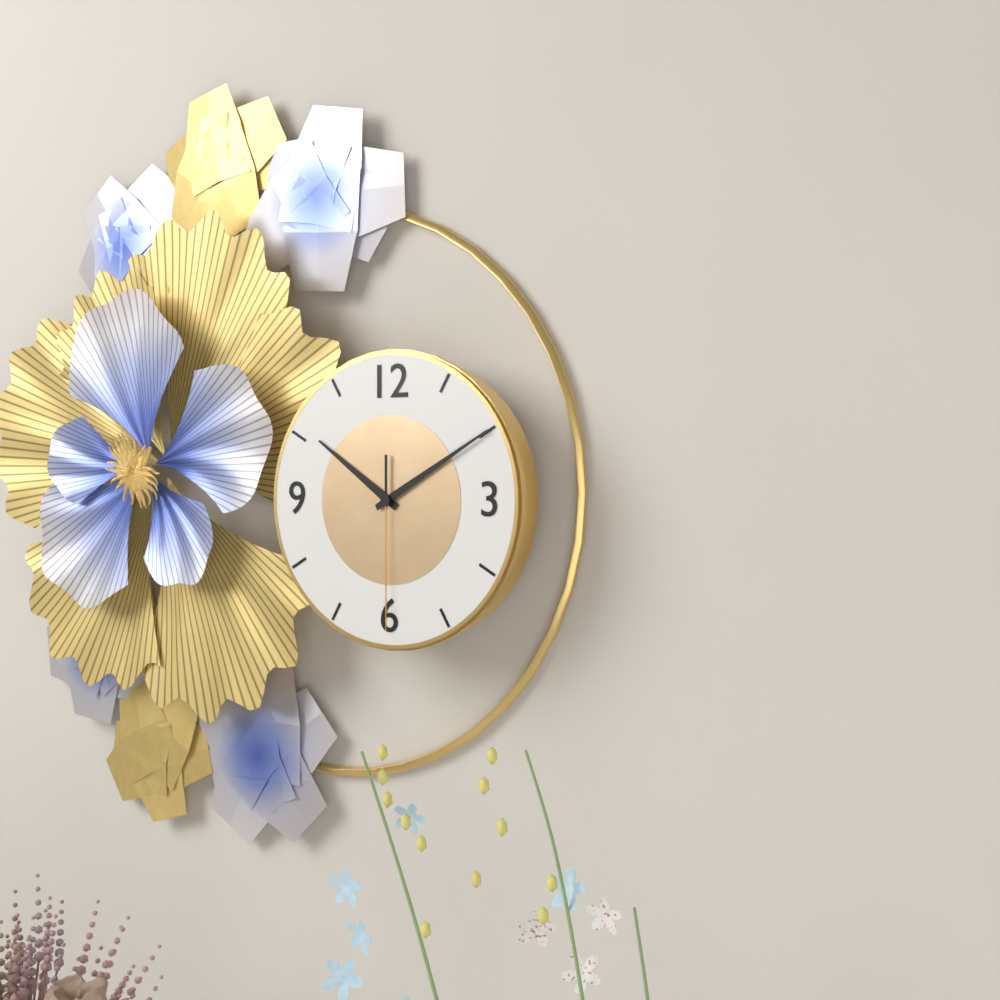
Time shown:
{"hour": 10, "minute": 10, "second": 30}
